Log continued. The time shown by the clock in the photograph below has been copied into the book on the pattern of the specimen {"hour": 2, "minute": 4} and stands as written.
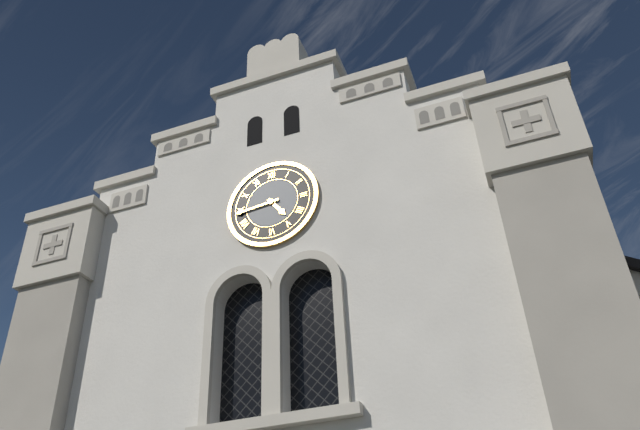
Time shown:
{"hour": 4, "minute": 44}
